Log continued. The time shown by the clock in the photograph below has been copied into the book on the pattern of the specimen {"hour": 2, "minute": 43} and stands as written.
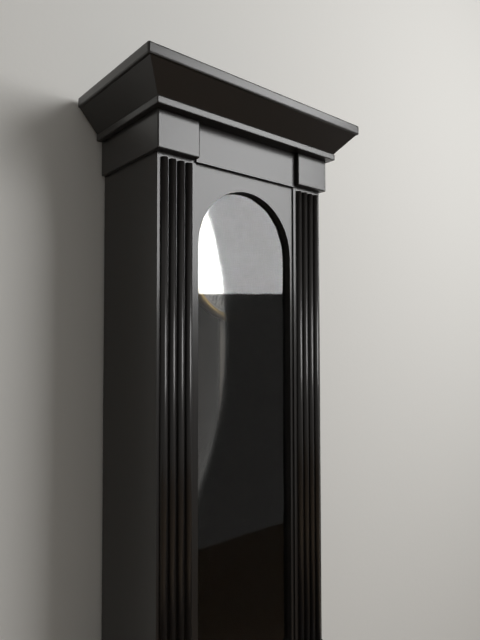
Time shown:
{"hour": 3, "minute": 57}
